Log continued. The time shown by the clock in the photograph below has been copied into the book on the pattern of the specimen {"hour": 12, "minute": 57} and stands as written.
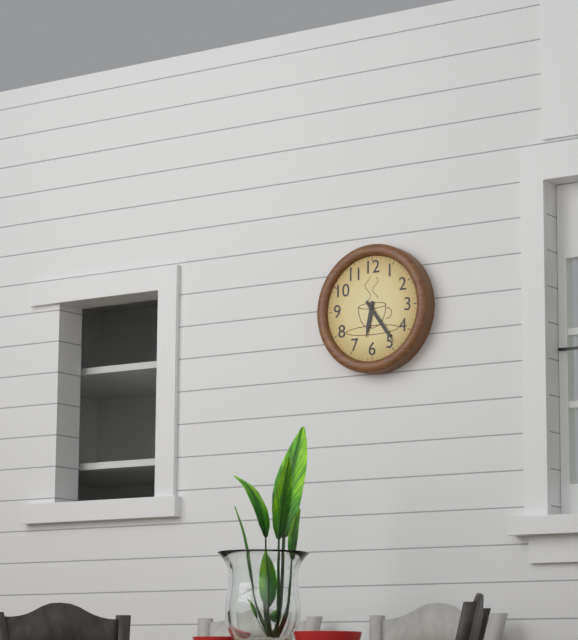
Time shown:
{"hour": 6, "minute": 24}
